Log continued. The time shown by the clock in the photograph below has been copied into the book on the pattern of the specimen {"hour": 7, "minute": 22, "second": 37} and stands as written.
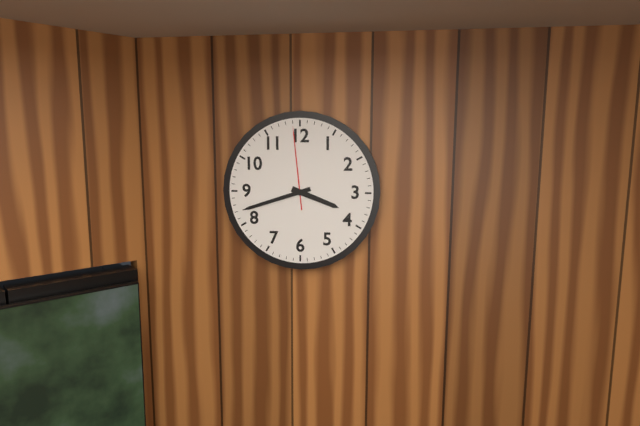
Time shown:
{"hour": 3, "minute": 42, "second": 59}
